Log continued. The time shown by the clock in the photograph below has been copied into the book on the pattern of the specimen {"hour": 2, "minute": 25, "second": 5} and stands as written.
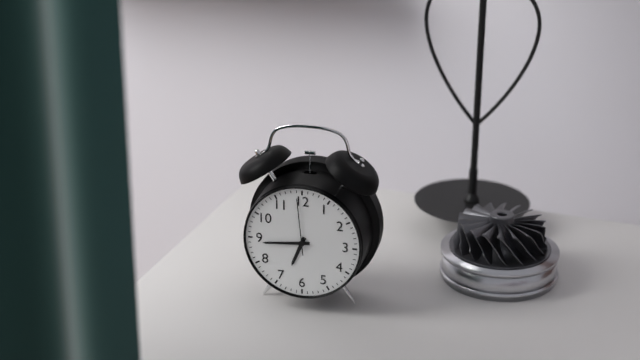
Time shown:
{"hour": 6, "minute": 44, "second": 59}
